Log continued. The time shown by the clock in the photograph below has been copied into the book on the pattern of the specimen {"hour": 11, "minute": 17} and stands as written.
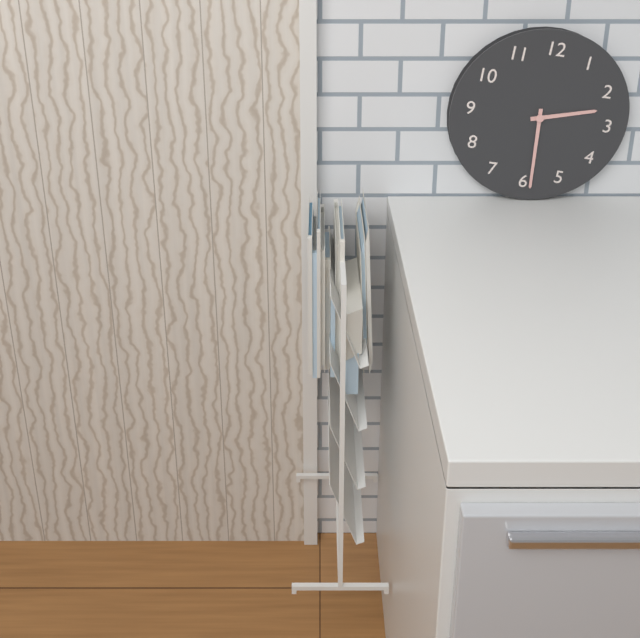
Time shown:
{"hour": 2, "minute": 29}
